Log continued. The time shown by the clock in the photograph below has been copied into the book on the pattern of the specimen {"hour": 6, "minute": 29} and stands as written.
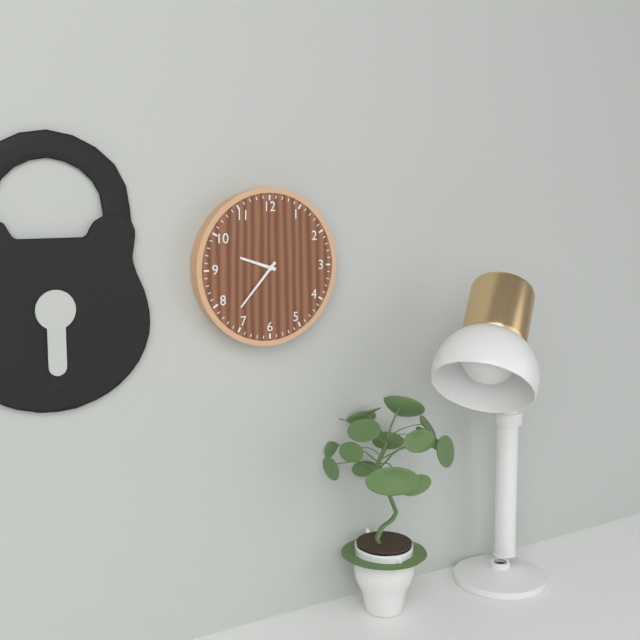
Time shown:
{"hour": 9, "minute": 37}
